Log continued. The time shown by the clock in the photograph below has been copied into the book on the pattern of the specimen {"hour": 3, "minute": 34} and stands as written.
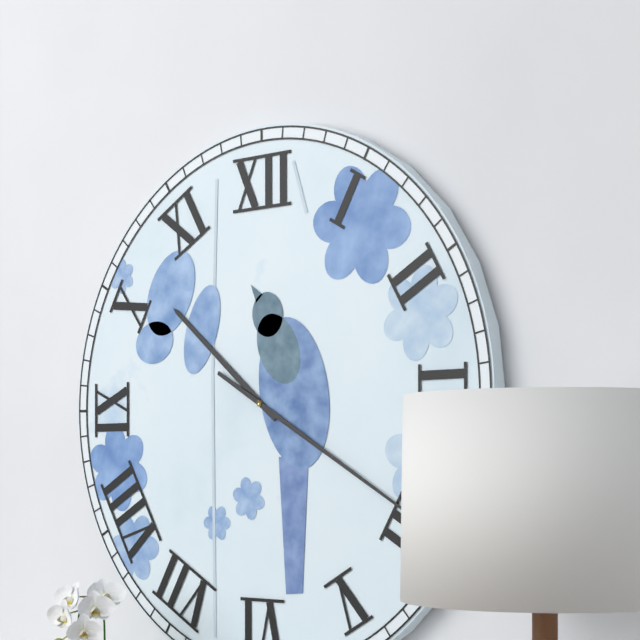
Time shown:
{"hour": 10, "minute": 20}
